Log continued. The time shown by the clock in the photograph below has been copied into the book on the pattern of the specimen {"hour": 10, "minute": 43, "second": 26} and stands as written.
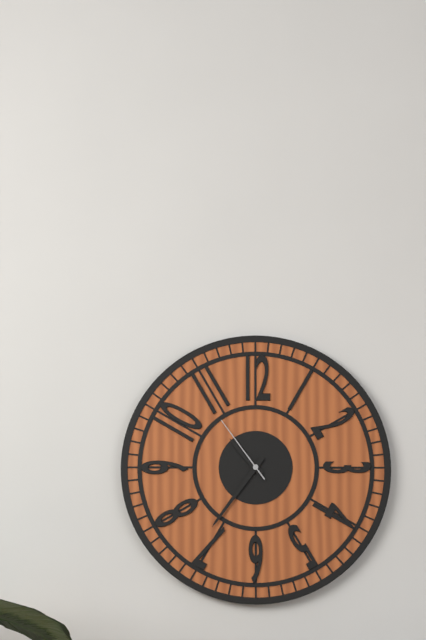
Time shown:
{"hour": 10, "minute": 36, "second": 54}
